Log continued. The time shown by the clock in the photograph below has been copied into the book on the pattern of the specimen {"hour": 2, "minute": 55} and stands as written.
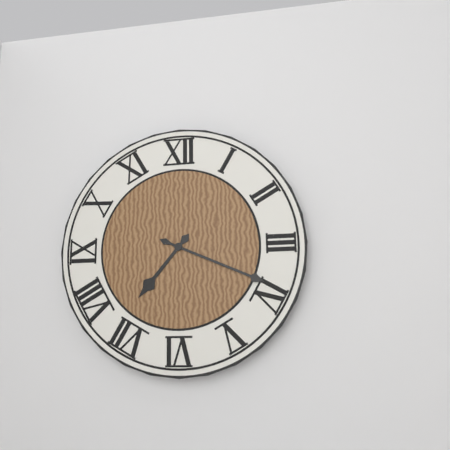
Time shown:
{"hour": 7, "minute": 19}
